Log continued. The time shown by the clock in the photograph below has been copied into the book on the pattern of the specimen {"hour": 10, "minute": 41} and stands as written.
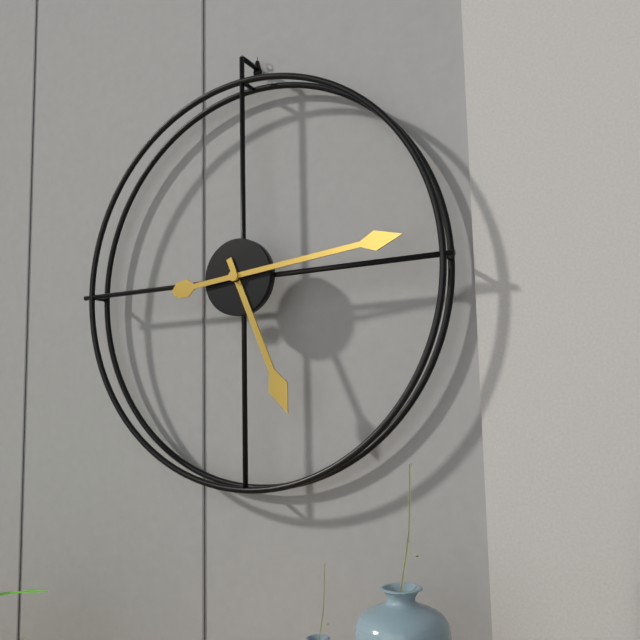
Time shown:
{"hour": 5, "minute": 14}
